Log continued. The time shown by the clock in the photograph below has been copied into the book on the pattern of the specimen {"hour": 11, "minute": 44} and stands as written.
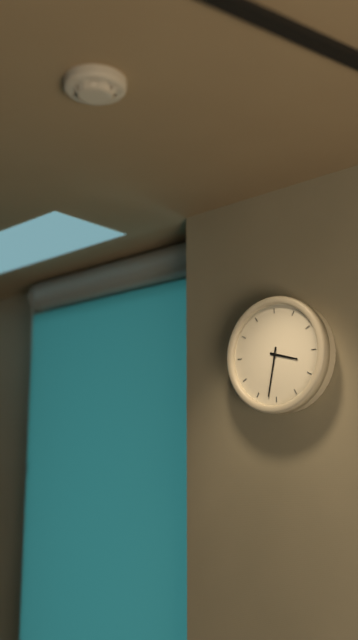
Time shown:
{"hour": 3, "minute": 32}
